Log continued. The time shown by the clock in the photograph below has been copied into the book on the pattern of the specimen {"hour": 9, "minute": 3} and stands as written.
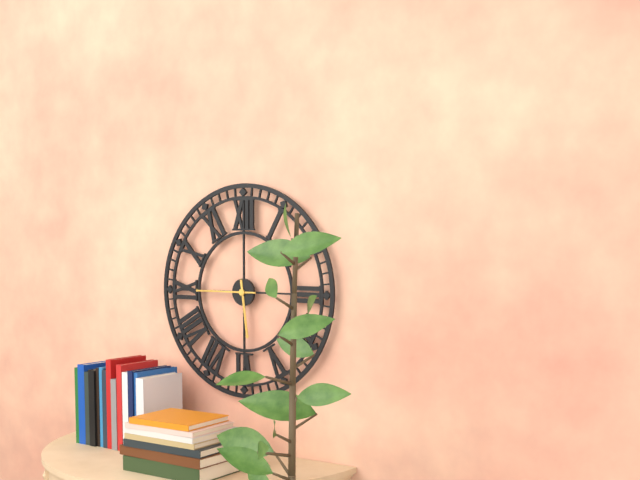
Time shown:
{"hour": 5, "minute": 45}
